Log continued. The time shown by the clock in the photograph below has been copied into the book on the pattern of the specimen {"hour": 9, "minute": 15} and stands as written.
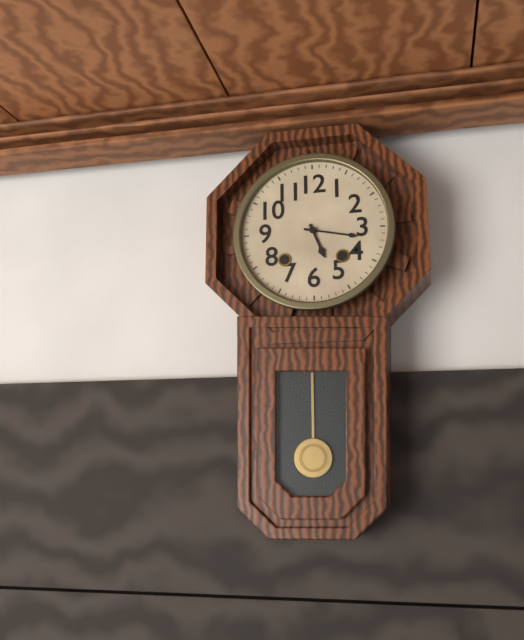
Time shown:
{"hour": 5, "minute": 17}
